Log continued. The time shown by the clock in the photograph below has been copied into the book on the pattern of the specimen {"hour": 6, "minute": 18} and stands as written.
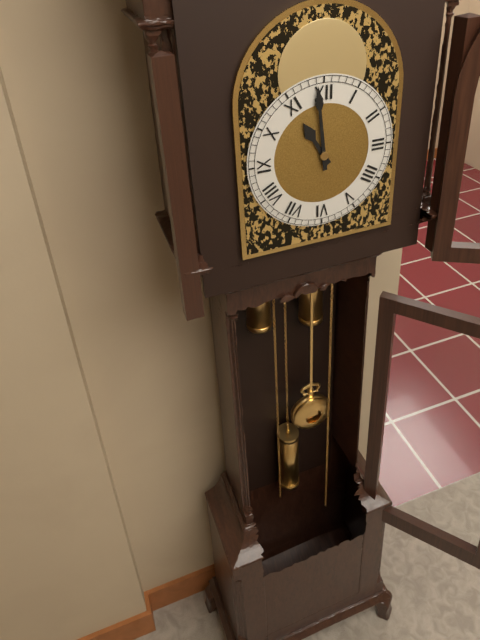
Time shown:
{"hour": 10, "minute": 59}
